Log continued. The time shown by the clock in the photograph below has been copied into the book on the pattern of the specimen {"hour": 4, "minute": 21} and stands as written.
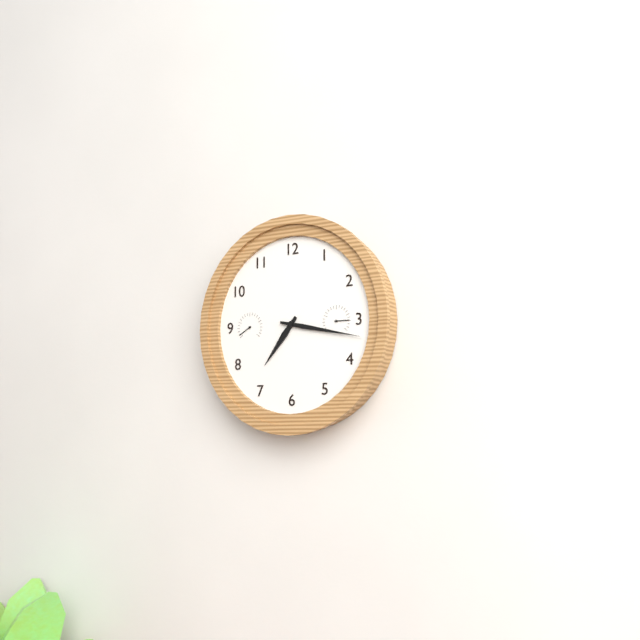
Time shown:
{"hour": 7, "minute": 17}
